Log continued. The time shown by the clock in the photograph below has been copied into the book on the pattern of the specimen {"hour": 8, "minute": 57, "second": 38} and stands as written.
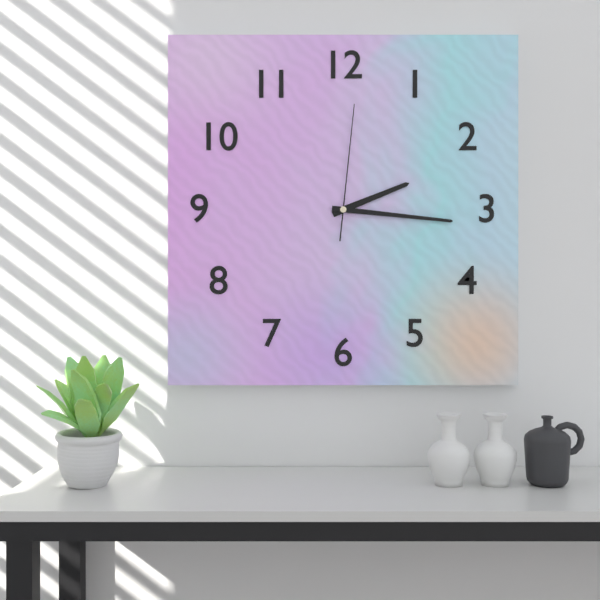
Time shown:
{"hour": 2, "minute": 16, "second": 1}
